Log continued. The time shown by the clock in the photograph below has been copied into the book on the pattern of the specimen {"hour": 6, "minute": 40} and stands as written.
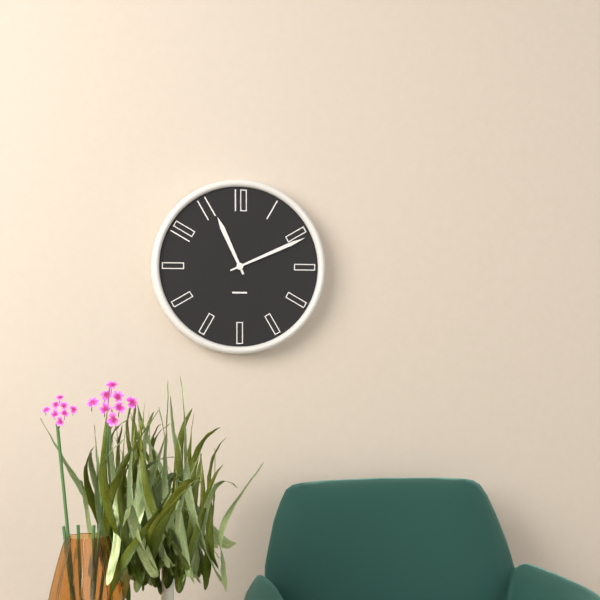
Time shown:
{"hour": 11, "minute": 11}
